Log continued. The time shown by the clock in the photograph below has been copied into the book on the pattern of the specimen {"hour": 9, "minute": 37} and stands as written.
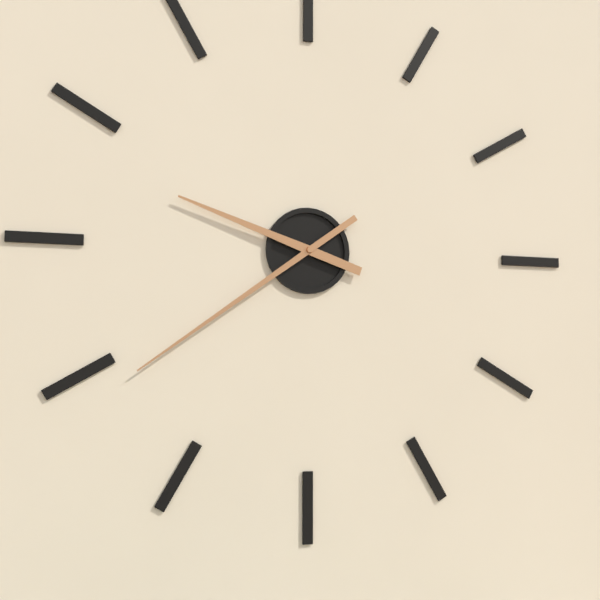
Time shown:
{"hour": 9, "minute": 39}
